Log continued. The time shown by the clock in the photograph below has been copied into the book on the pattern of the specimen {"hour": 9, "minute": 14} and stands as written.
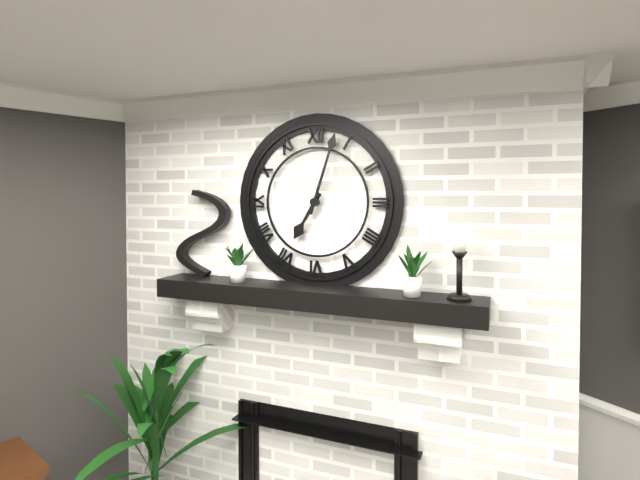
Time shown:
{"hour": 7, "minute": 3}
